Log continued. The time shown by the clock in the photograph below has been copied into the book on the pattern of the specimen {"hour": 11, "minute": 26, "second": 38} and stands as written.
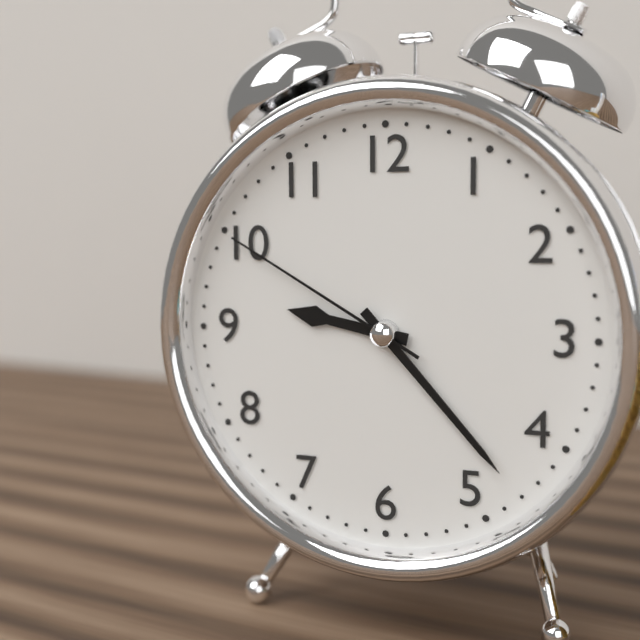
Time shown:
{"hour": 9, "minute": 23, "second": 50}
